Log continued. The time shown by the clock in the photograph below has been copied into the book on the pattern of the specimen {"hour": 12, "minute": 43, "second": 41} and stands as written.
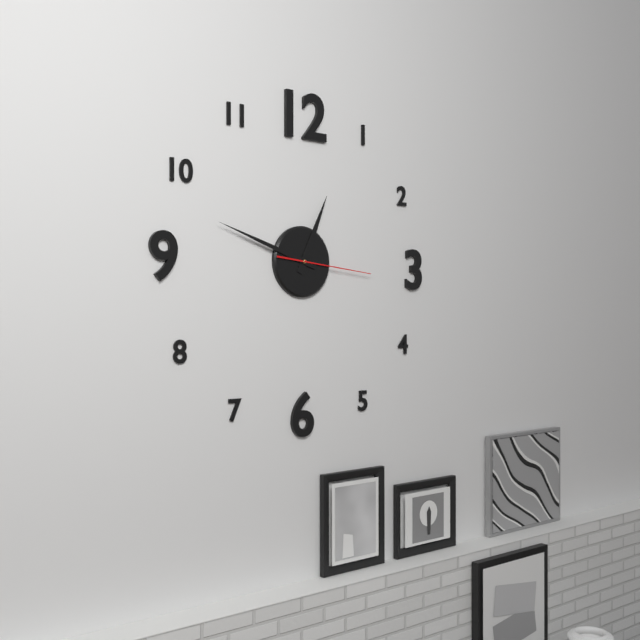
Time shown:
{"hour": 12, "minute": 48, "second": 16}
